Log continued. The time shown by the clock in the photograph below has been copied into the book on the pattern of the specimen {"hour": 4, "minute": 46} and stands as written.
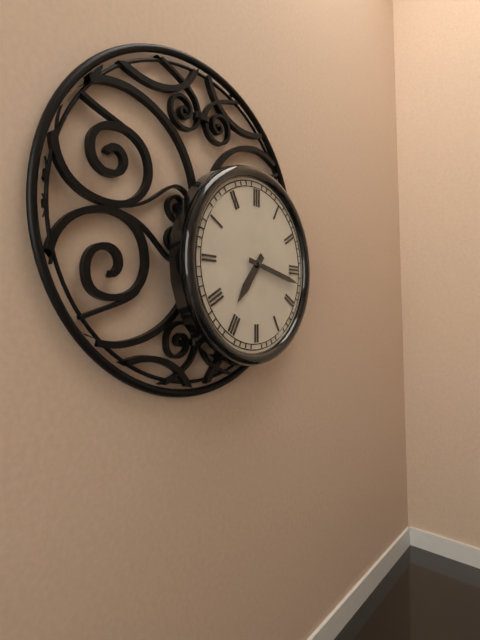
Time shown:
{"hour": 7, "minute": 17}
